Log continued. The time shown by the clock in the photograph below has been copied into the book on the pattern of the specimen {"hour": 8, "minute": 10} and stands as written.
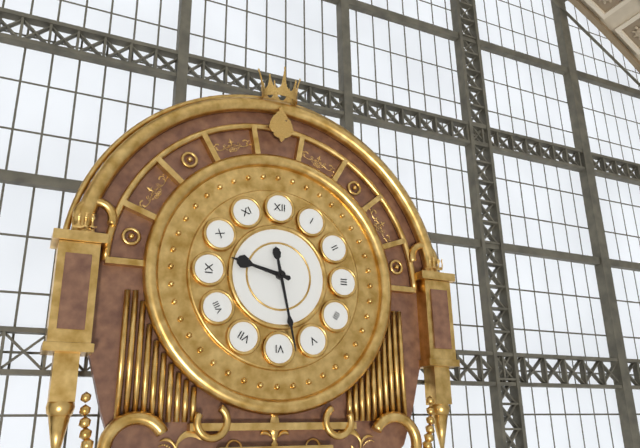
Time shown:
{"hour": 9, "minute": 28}
